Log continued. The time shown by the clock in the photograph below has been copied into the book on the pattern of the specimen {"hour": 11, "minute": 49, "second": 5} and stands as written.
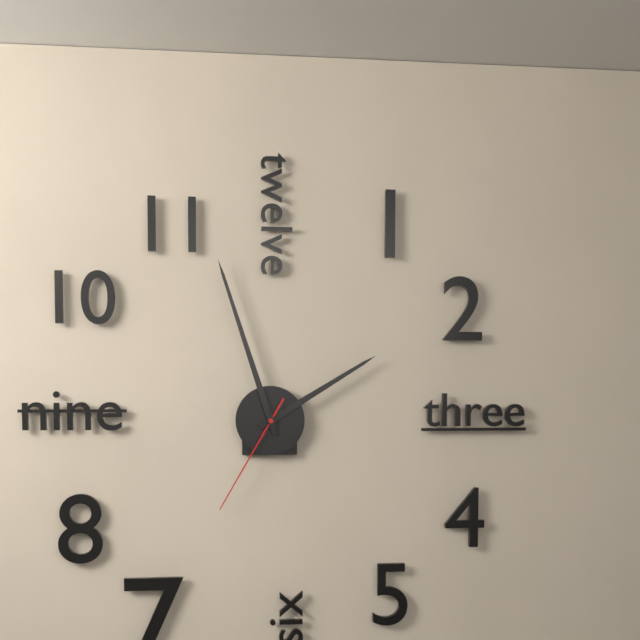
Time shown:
{"hour": 1, "minute": 57, "second": 35}
